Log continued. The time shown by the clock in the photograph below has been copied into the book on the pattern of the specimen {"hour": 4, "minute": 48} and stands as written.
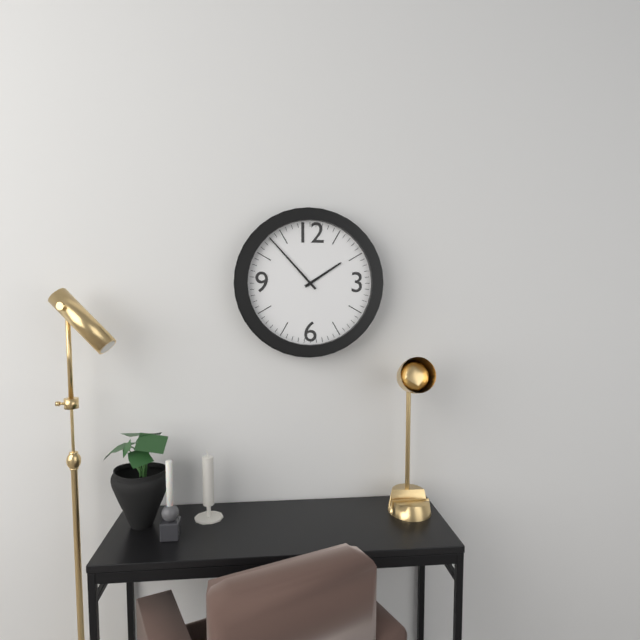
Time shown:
{"hour": 1, "minute": 53}
